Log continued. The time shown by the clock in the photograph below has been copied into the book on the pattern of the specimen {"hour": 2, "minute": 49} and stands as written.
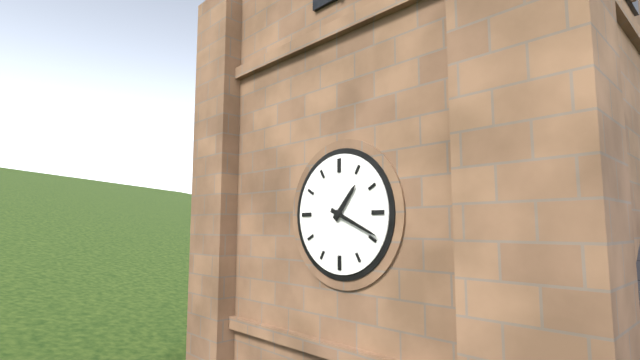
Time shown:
{"hour": 1, "minute": 19}
